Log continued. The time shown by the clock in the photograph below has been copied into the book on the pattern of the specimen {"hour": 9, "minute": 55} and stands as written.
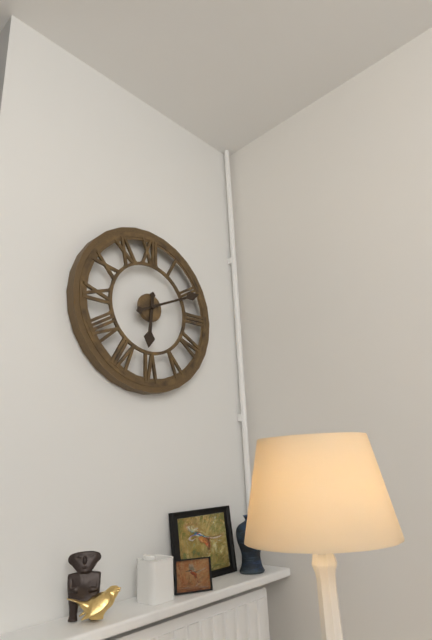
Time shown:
{"hour": 6, "minute": 11}
